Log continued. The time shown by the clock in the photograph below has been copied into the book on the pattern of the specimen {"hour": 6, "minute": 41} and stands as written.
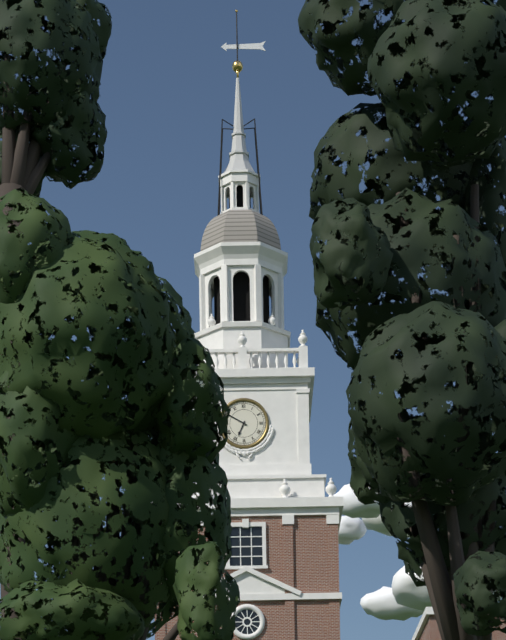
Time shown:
{"hour": 6, "minute": 50}
